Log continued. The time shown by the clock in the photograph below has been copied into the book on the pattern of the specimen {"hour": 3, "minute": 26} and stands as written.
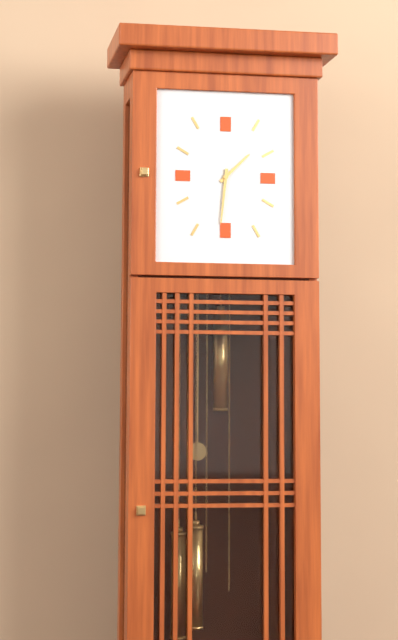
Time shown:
{"hour": 1, "minute": 31}
